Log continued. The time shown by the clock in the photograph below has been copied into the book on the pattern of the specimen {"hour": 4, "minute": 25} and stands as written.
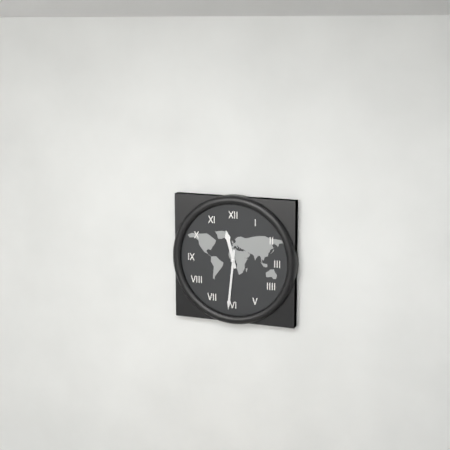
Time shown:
{"hour": 11, "minute": 31}
